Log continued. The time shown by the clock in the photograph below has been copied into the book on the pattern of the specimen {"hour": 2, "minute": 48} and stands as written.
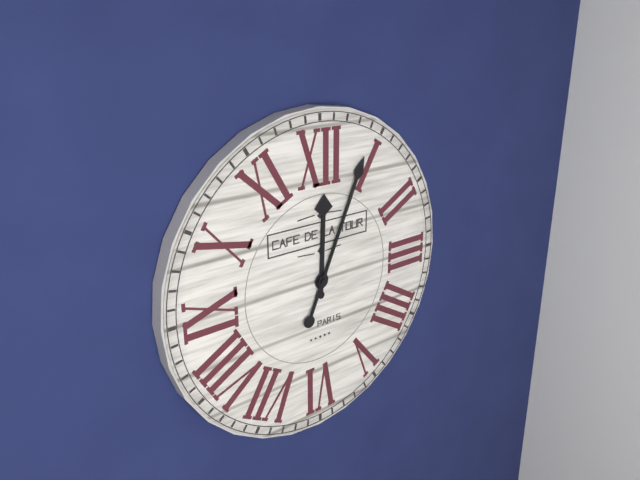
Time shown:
{"hour": 12, "minute": 4}
